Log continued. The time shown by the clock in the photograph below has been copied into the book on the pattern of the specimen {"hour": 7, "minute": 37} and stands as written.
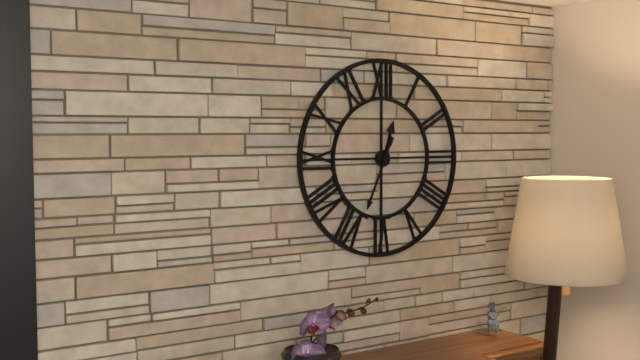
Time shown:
{"hour": 12, "minute": 34}
